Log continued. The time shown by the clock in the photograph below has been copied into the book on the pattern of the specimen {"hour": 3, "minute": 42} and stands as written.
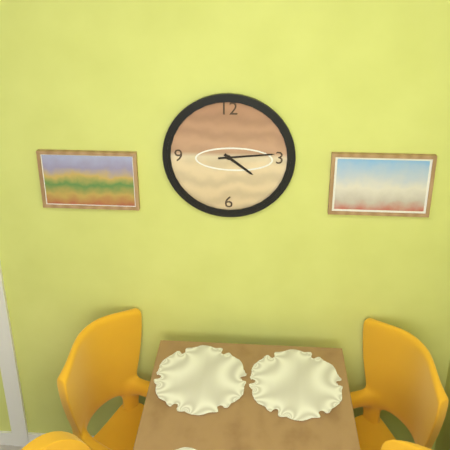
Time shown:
{"hour": 4, "minute": 14}
